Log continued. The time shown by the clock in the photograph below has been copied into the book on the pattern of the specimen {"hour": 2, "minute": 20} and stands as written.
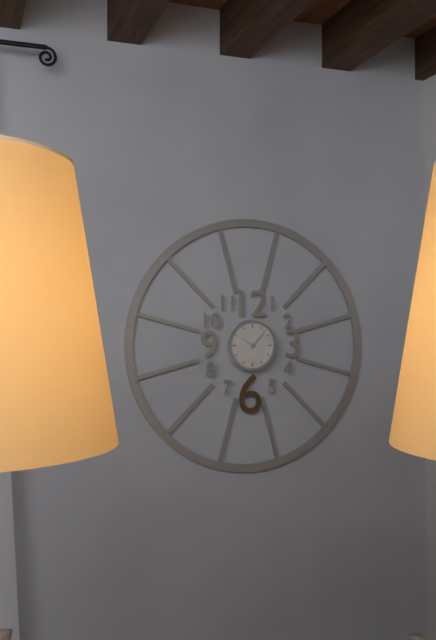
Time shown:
{"hour": 10, "minute": 7}
